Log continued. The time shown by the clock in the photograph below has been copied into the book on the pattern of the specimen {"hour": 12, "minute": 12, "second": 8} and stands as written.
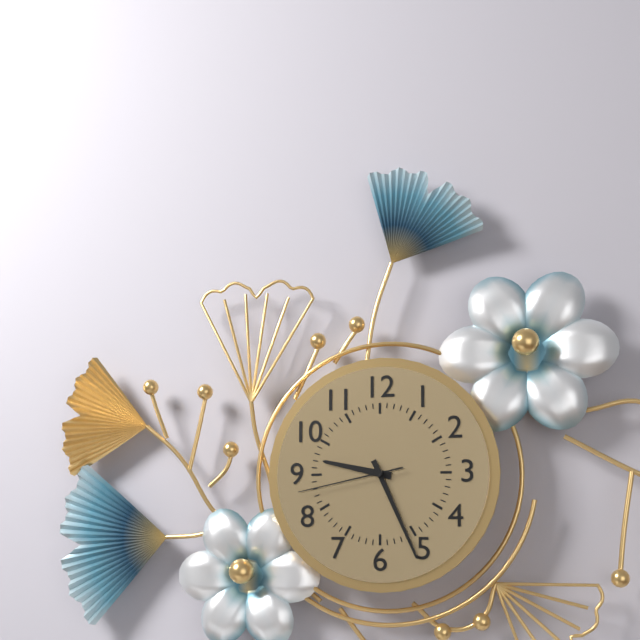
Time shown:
{"hour": 9, "minute": 26, "second": 43}
